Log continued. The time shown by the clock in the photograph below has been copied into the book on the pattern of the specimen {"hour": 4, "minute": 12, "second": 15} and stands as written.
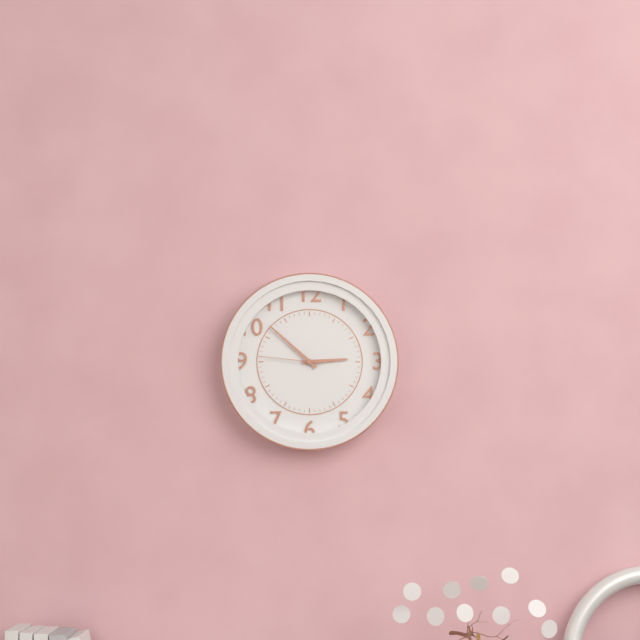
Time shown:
{"hour": 2, "minute": 52, "second": 46}
